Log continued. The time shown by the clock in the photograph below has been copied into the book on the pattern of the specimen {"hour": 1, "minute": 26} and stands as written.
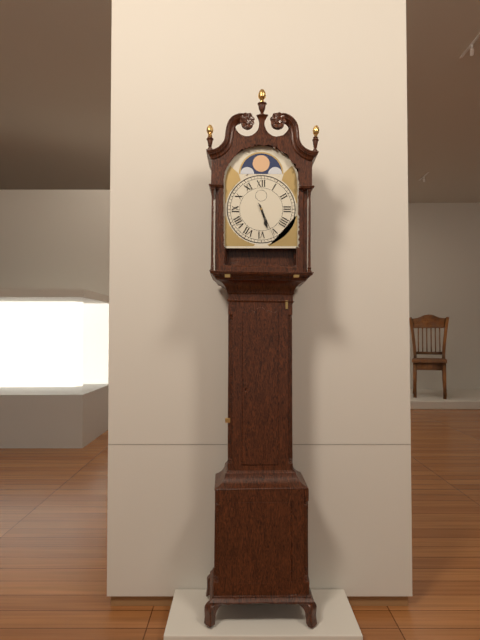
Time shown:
{"hour": 5, "minute": 26}
